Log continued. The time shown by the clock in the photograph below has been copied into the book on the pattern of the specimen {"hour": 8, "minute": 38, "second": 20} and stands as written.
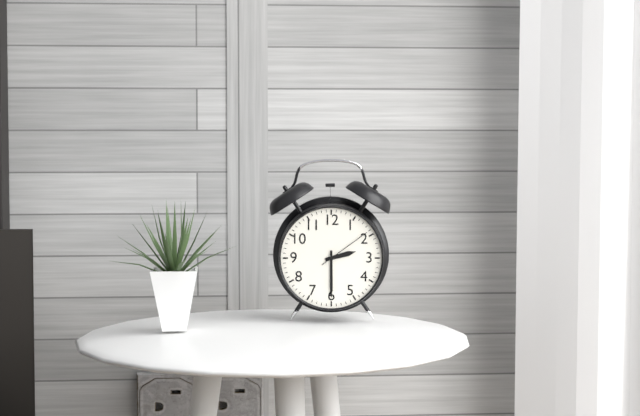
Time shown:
{"hour": 2, "minute": 30, "second": 9}
